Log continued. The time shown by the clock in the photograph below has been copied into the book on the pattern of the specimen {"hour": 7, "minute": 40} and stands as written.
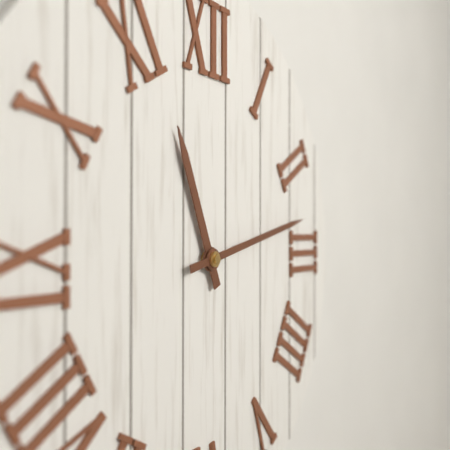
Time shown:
{"hour": 11, "minute": 13}
